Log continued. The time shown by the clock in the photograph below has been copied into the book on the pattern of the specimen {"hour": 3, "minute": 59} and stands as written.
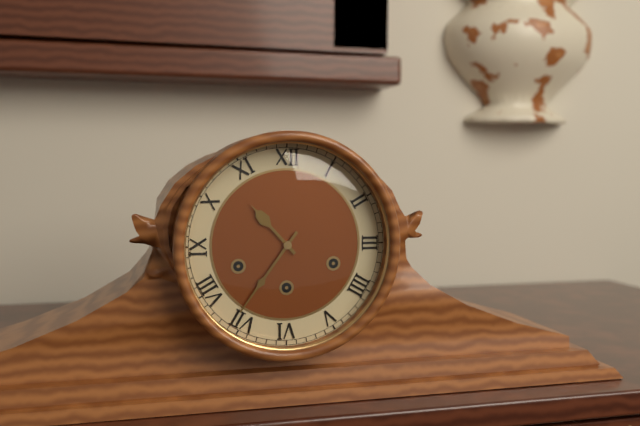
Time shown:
{"hour": 10, "minute": 36}
